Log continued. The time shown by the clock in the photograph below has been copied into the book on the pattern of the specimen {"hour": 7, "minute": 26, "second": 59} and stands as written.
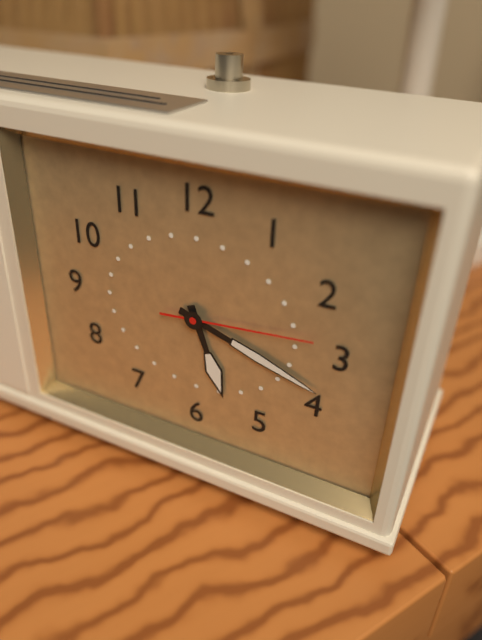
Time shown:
{"hour": 5, "minute": 18, "second": 14}
